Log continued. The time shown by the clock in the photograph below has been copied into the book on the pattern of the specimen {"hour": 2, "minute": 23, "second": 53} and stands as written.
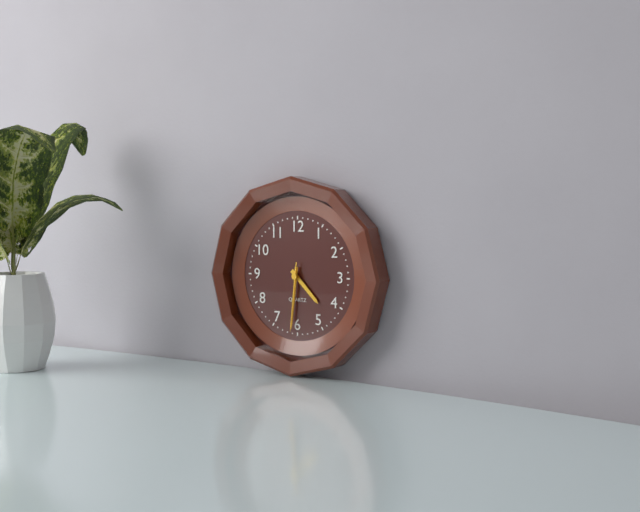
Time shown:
{"hour": 4, "minute": 31, "second": 31}
